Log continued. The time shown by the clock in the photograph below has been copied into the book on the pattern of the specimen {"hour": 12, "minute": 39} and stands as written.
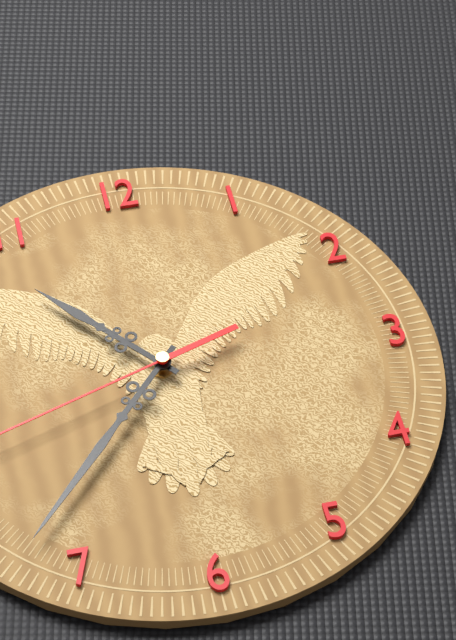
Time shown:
{"hour": 10, "minute": 37}
